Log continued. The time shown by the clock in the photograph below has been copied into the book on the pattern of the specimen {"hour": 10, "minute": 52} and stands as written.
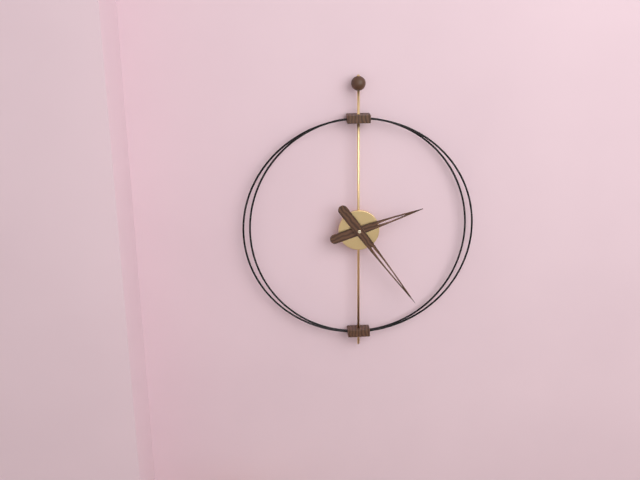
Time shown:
{"hour": 2, "minute": 24}
